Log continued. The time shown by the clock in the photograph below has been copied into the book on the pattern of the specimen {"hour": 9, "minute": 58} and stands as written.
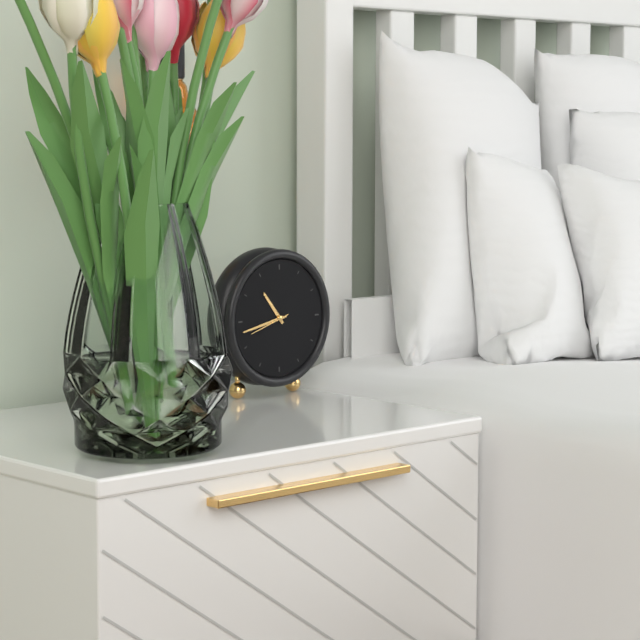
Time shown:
{"hour": 10, "minute": 43}
